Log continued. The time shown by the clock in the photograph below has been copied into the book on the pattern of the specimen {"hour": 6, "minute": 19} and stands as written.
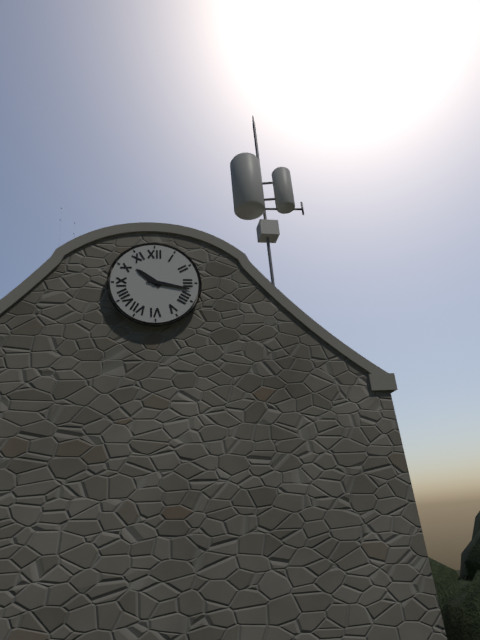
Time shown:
{"hour": 10, "minute": 17}
